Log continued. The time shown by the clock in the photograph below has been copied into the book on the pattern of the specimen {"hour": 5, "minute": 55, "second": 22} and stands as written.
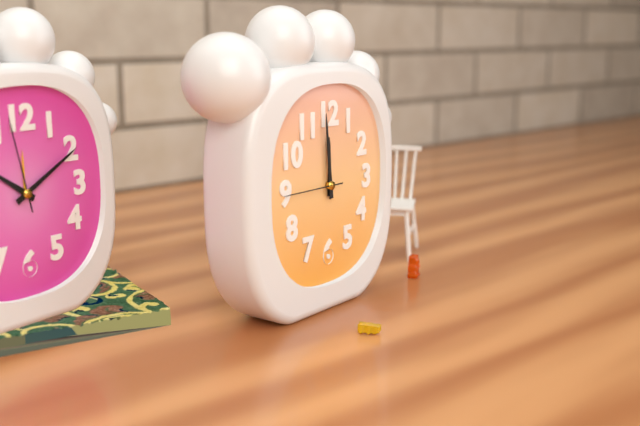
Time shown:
{"hour": 11, "minute": 59, "second": 45}
